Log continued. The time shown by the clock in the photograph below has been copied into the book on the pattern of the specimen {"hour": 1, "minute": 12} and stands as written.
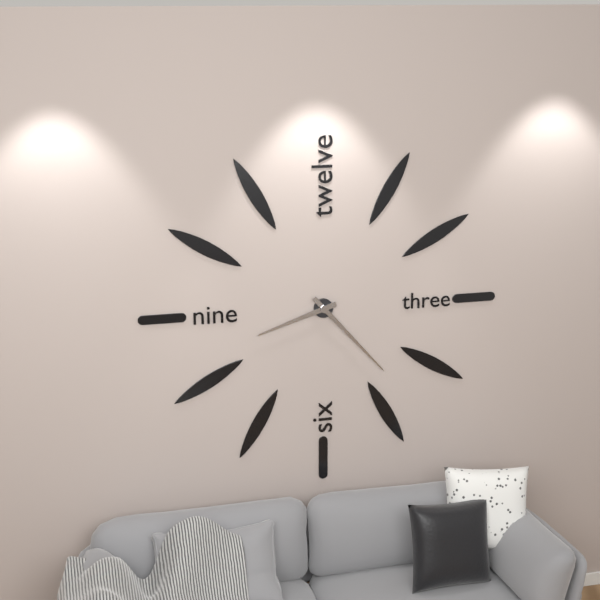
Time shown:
{"hour": 8, "minute": 23}
